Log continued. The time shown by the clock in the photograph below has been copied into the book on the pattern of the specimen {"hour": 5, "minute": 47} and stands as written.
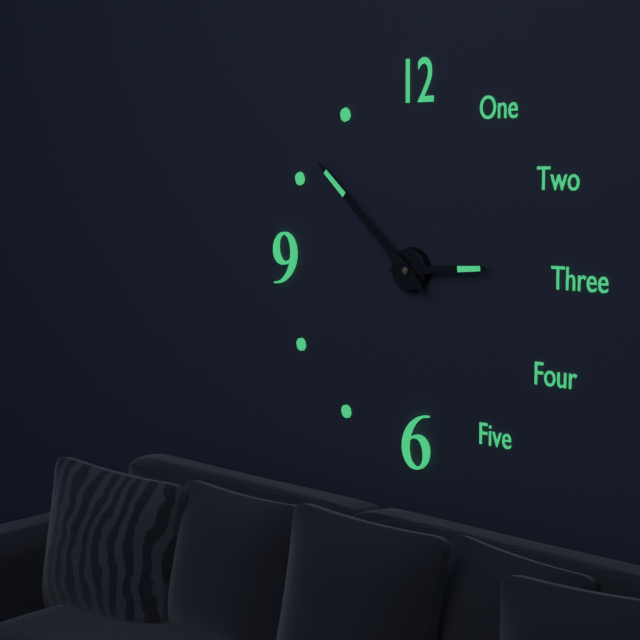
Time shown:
{"hour": 2, "minute": 52}
